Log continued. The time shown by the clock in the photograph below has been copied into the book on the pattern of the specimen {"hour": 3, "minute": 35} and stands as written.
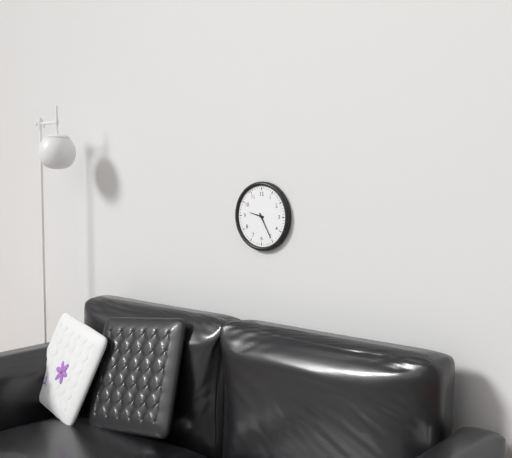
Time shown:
{"hour": 9, "minute": 25}
